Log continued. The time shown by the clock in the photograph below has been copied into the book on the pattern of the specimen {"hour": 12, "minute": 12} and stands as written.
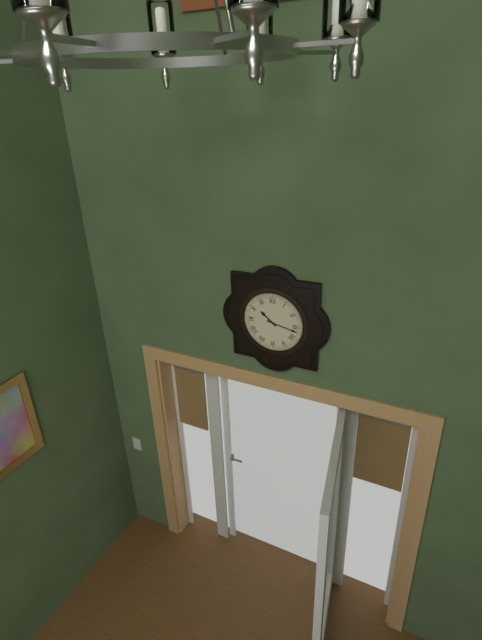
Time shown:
{"hour": 10, "minute": 17}
